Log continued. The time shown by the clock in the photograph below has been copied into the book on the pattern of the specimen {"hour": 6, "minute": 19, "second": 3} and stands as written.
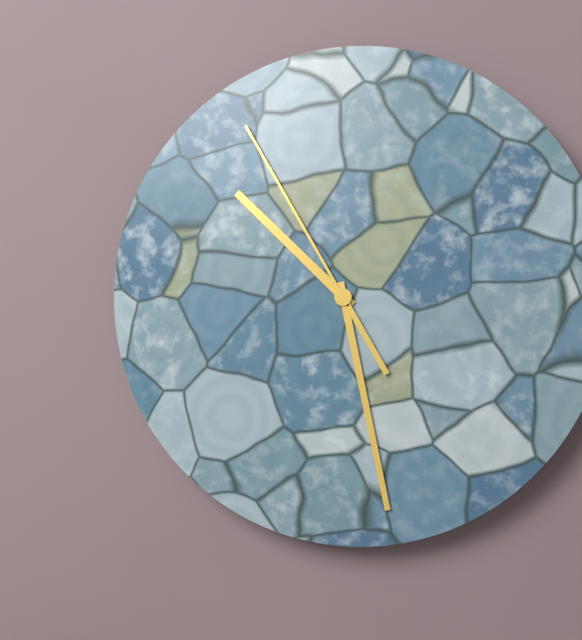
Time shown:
{"hour": 10, "minute": 28, "second": 55}
